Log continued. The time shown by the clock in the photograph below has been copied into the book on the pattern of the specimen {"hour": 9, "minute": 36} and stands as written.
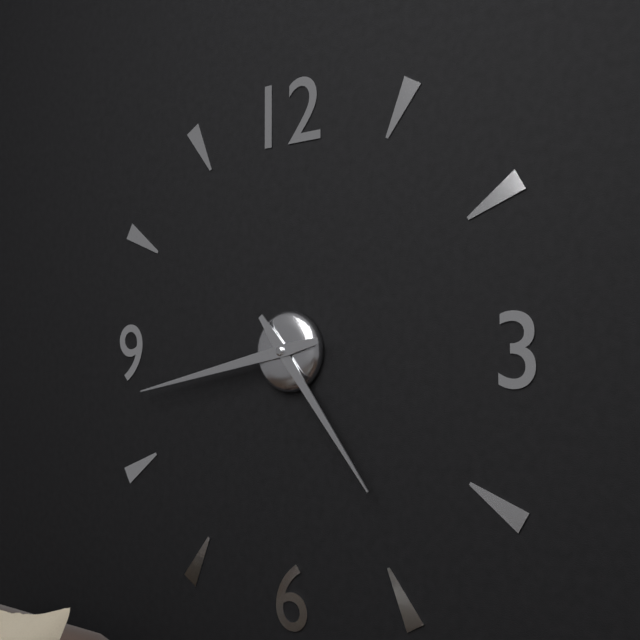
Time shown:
{"hour": 4, "minute": 43}
